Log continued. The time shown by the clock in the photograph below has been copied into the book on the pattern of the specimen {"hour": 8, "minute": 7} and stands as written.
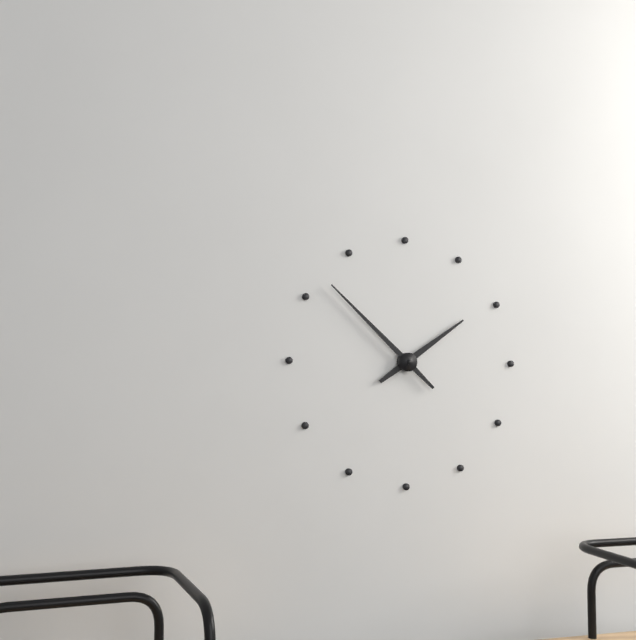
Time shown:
{"hour": 1, "minute": 52}
